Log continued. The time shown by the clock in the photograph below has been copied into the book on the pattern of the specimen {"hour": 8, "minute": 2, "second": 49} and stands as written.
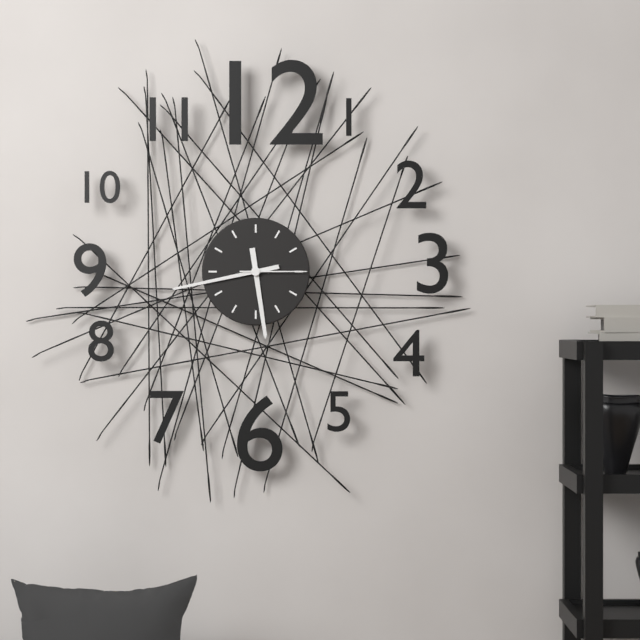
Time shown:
{"hour": 5, "minute": 43, "second": 15}
